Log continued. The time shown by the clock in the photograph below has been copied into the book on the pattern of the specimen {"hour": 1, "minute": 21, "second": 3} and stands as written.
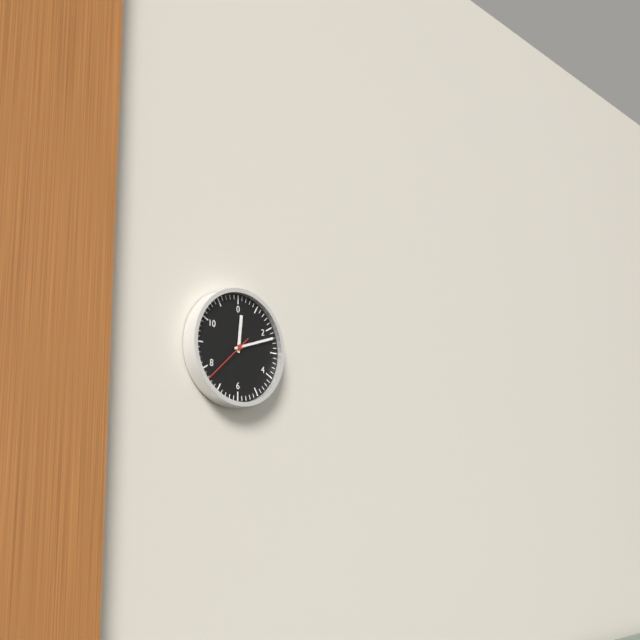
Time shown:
{"hour": 12, "minute": 12, "second": 38}
